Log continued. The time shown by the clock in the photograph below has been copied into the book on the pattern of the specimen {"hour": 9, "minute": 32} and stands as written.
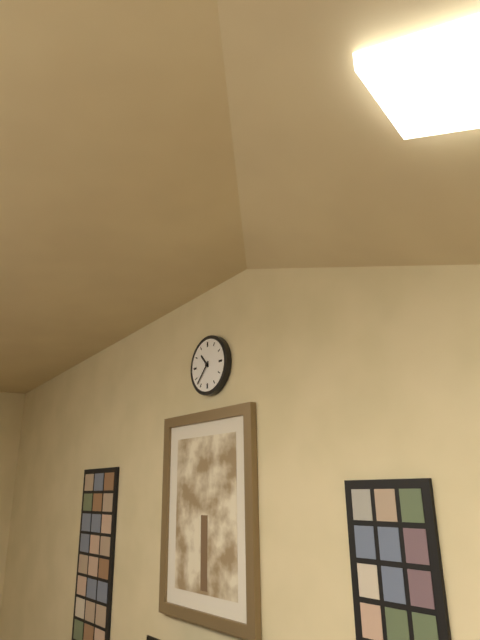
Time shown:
{"hour": 10, "minute": 37}
